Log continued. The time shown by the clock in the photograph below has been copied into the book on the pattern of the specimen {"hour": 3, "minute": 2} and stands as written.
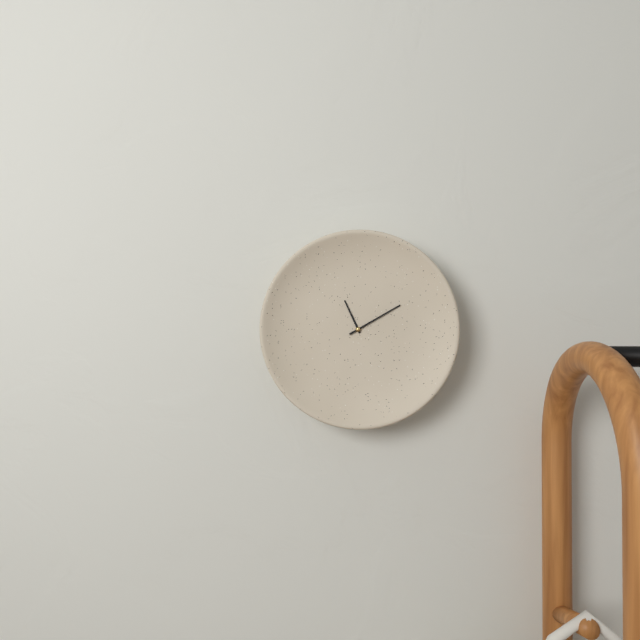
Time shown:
{"hour": 11, "minute": 10}
